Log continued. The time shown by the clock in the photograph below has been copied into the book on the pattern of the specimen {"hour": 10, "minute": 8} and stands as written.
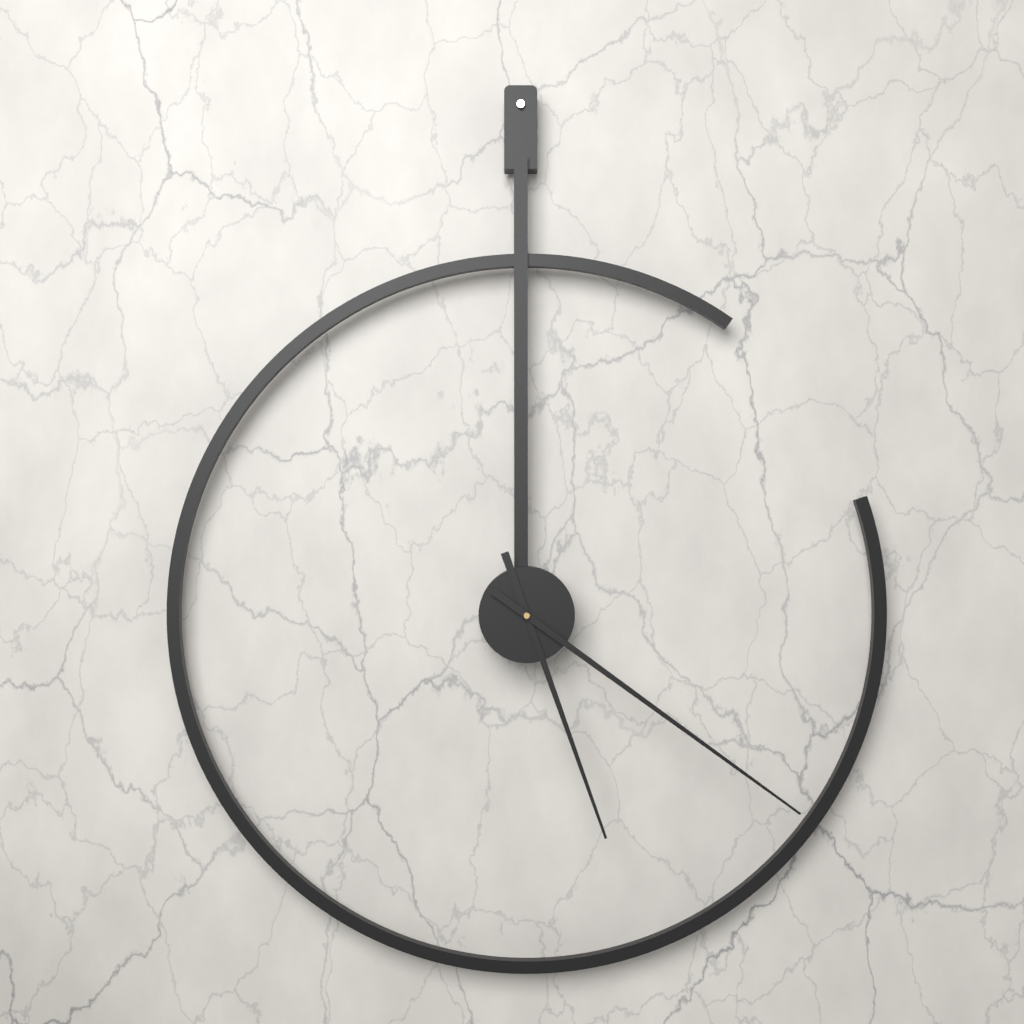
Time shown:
{"hour": 5, "minute": 21}
